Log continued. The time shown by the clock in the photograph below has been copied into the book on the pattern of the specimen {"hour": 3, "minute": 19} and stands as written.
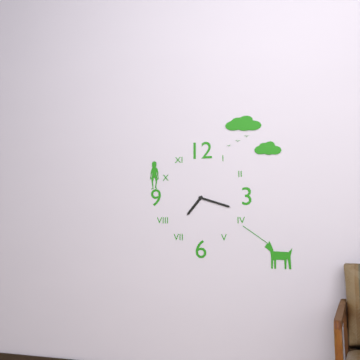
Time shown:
{"hour": 7, "minute": 18}
